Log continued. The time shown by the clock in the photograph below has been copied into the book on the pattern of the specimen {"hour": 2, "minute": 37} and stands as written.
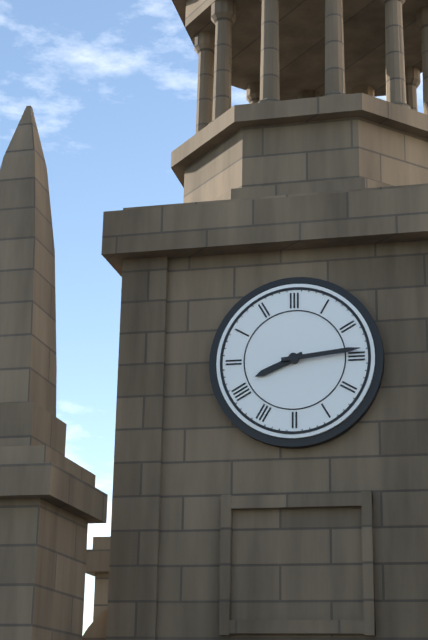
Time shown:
{"hour": 8, "minute": 14}
